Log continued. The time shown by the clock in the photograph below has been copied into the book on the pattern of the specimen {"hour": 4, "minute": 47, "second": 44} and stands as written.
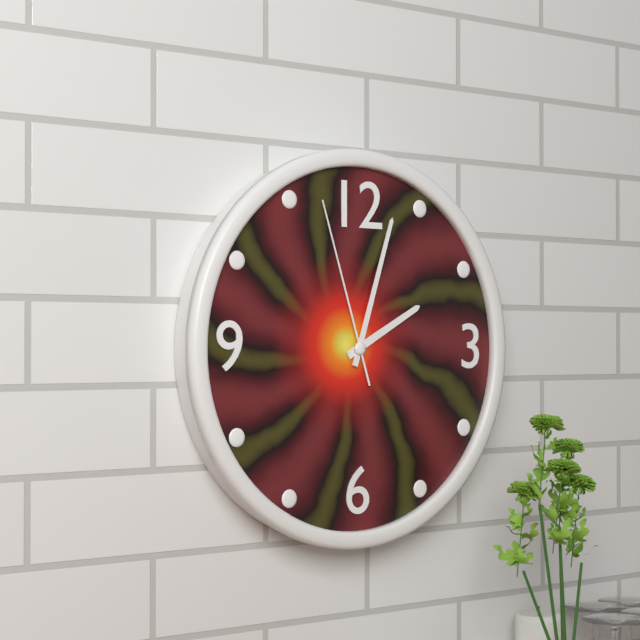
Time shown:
{"hour": 2, "minute": 3, "second": 57}
